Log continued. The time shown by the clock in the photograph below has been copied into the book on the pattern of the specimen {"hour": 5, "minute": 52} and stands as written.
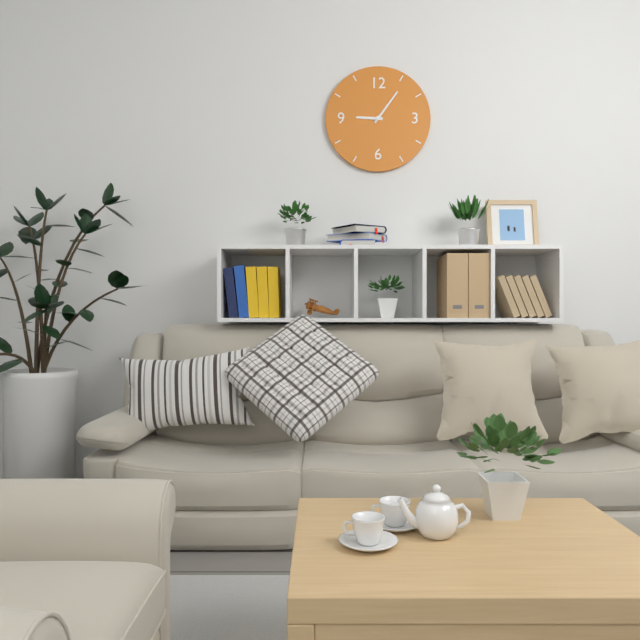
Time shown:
{"hour": 9, "minute": 6}
